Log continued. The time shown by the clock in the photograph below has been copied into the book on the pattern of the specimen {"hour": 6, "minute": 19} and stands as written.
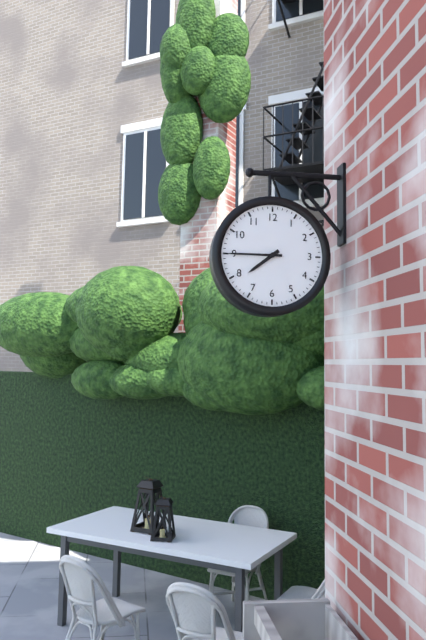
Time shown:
{"hour": 7, "minute": 45}
